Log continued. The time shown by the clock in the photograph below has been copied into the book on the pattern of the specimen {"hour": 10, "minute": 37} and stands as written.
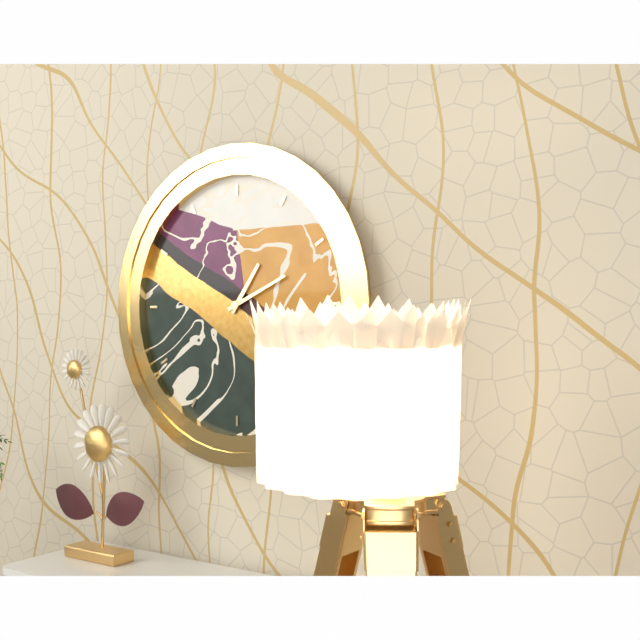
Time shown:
{"hour": 1, "minute": 11}
